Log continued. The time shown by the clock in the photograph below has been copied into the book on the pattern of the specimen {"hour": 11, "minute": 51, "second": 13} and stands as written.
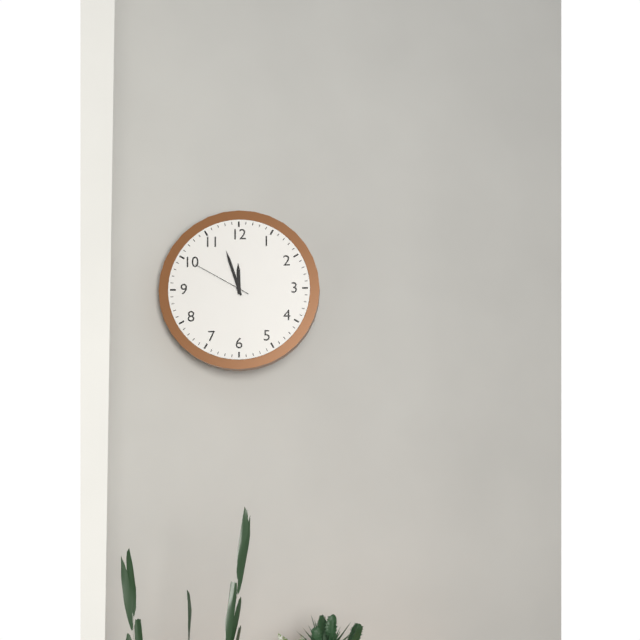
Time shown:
{"hour": 11, "minute": 57, "second": 50}
